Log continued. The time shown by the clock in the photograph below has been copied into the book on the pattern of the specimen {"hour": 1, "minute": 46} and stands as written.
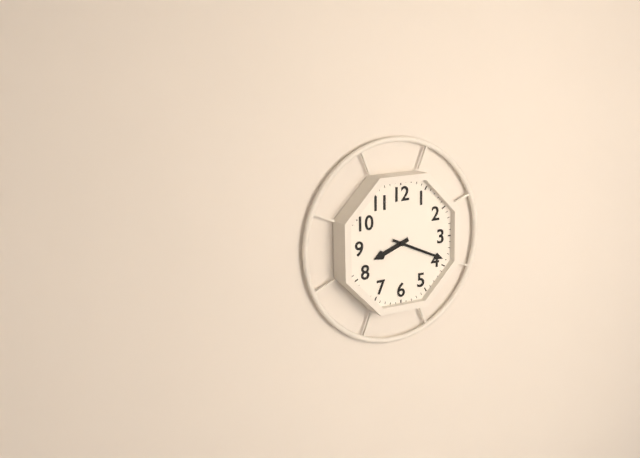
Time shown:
{"hour": 8, "minute": 19}
